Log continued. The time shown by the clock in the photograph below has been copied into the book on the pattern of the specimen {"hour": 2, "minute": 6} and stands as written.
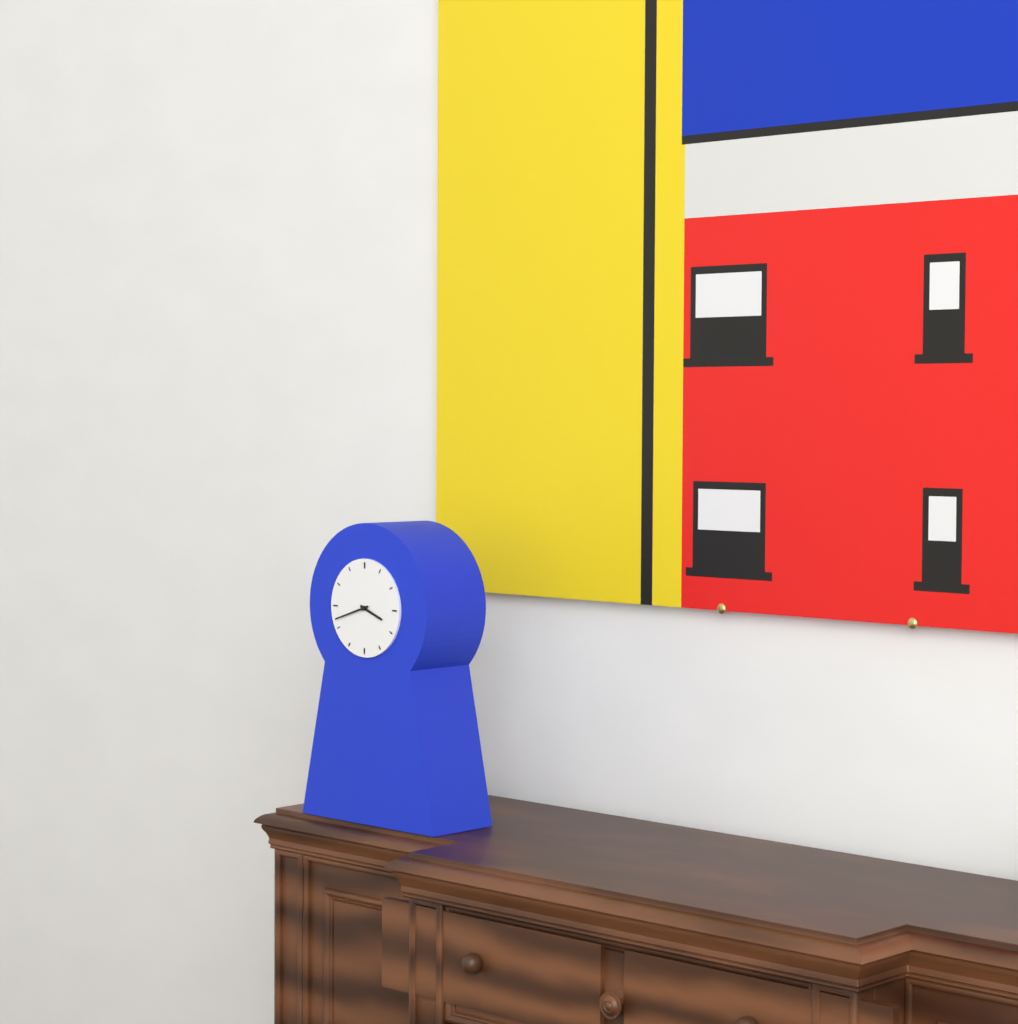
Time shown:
{"hour": 3, "minute": 42}
